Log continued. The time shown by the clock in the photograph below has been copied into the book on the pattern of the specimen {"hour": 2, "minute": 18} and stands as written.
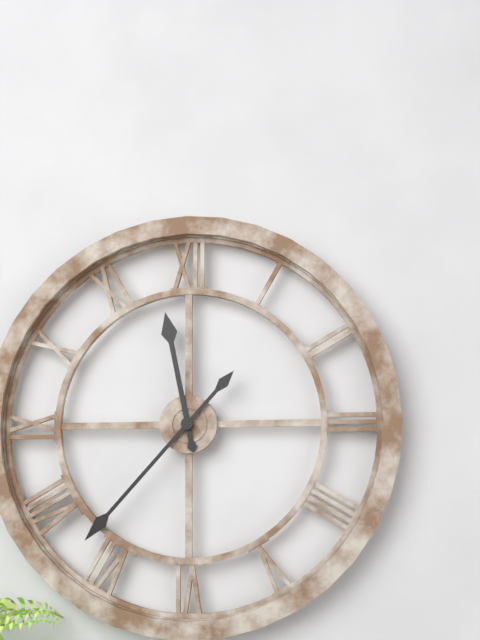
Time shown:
{"hour": 11, "minute": 37}
